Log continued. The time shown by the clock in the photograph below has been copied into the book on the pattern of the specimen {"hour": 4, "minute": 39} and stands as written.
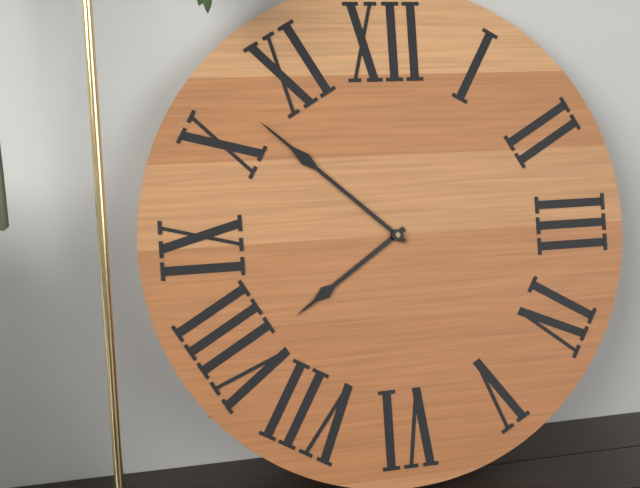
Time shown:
{"hour": 7, "minute": 52}
